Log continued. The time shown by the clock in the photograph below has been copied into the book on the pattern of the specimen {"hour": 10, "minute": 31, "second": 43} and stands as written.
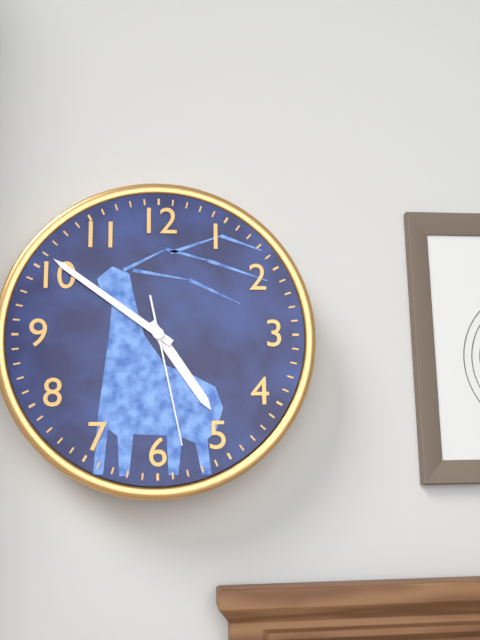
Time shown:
{"hour": 4, "minute": 51, "second": 28}
